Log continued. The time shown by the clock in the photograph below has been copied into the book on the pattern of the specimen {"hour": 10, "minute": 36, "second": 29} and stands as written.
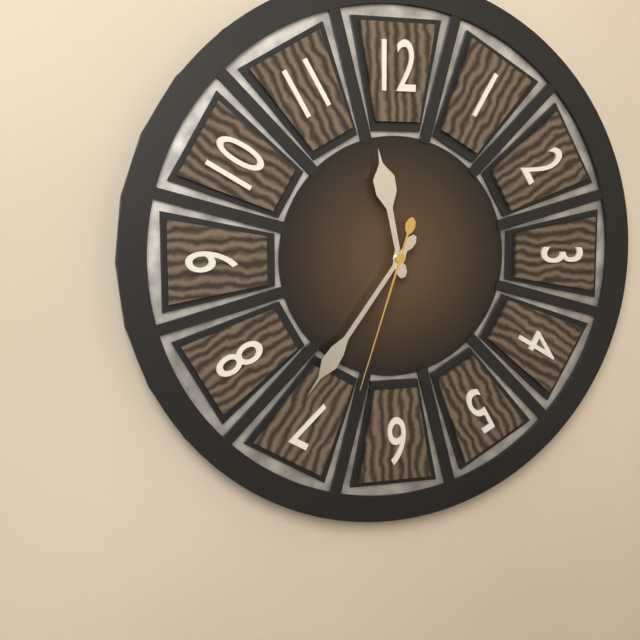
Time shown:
{"hour": 11, "minute": 36, "second": 33}
